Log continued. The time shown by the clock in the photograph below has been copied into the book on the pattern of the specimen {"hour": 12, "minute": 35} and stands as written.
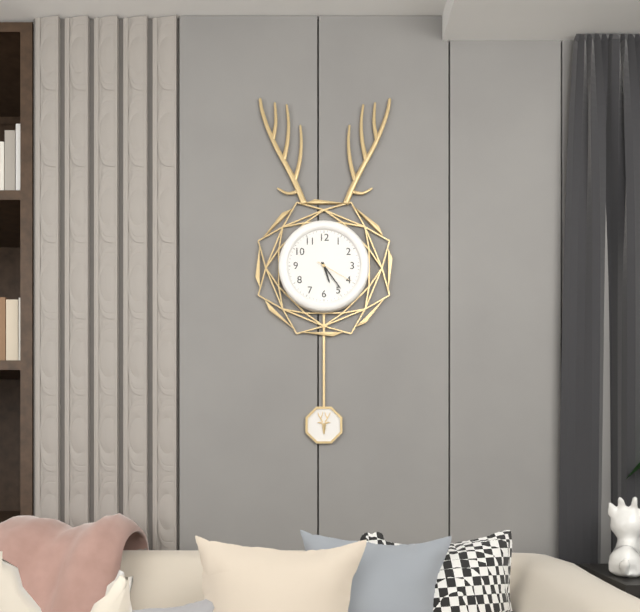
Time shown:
{"hour": 5, "minute": 24}
